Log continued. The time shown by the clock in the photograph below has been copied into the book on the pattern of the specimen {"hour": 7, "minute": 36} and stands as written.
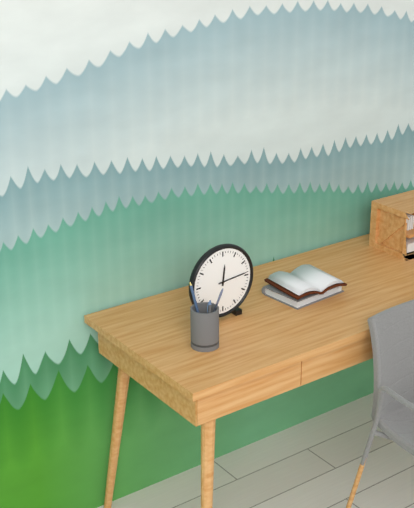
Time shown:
{"hour": 12, "minute": 14}
